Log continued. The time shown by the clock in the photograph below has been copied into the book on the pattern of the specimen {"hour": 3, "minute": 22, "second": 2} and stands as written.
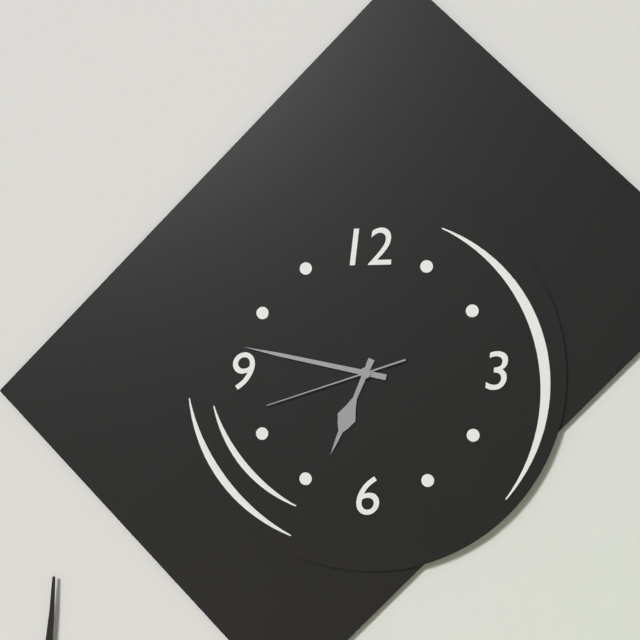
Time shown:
{"hour": 6, "minute": 47, "second": 42}
